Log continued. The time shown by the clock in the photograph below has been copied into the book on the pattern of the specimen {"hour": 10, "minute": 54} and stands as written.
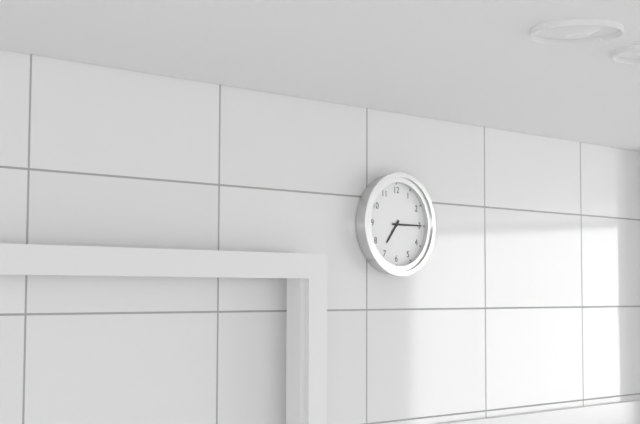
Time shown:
{"hour": 7, "minute": 15}
